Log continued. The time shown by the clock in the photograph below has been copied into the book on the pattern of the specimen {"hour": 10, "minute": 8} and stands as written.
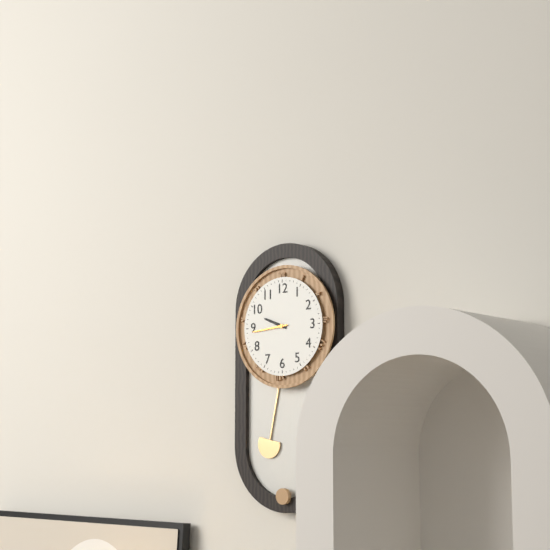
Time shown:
{"hour": 9, "minute": 44}
